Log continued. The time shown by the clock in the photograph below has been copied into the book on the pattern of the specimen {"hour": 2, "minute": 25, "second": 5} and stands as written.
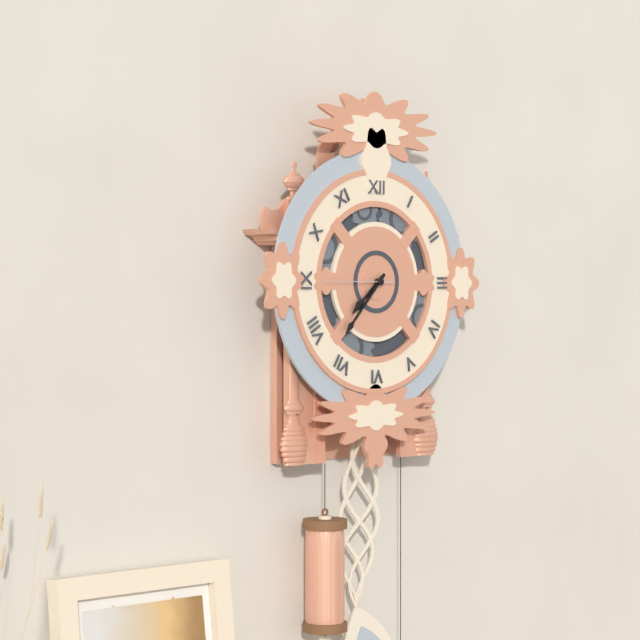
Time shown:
{"hour": 7, "minute": 37, "second": 45}
